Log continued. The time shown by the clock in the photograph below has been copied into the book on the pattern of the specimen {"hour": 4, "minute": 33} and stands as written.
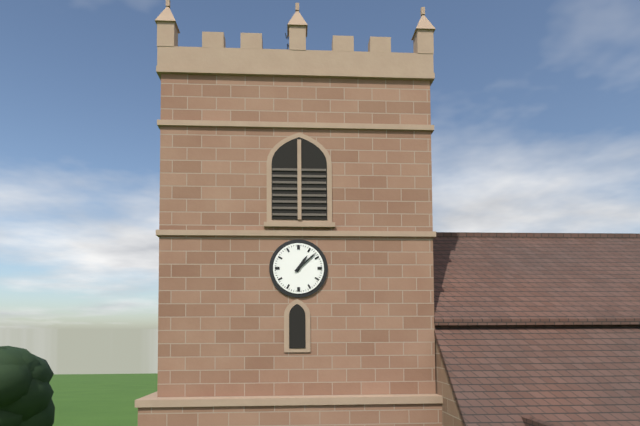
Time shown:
{"hour": 1, "minute": 8}
